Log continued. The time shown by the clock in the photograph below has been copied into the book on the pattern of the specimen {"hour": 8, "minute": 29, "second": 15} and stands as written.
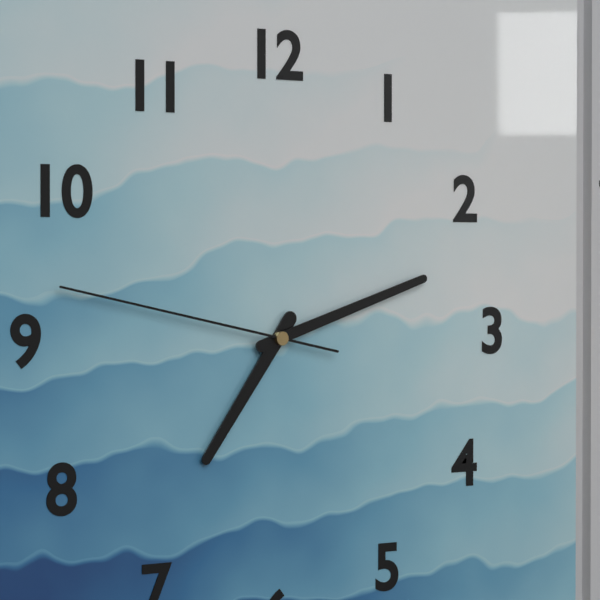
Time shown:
{"hour": 7, "minute": 12, "second": 47}
